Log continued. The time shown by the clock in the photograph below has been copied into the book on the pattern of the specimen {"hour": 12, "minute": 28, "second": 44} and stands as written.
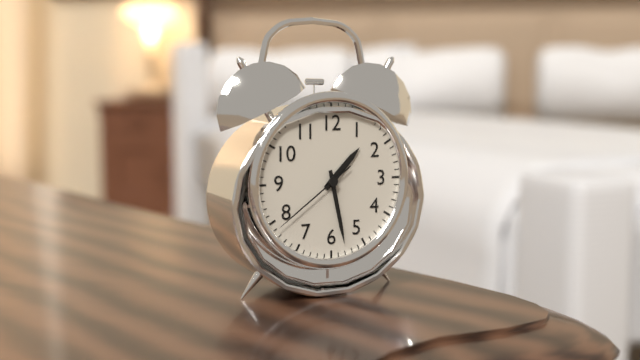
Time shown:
{"hour": 1, "minute": 28, "second": 39}
